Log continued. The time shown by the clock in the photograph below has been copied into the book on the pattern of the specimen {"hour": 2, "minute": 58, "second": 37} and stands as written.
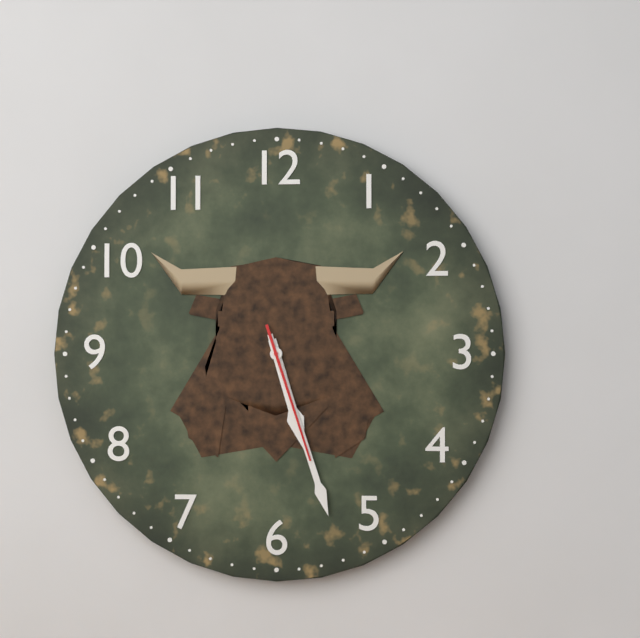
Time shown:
{"hour": 5, "minute": 27, "second": 27}
